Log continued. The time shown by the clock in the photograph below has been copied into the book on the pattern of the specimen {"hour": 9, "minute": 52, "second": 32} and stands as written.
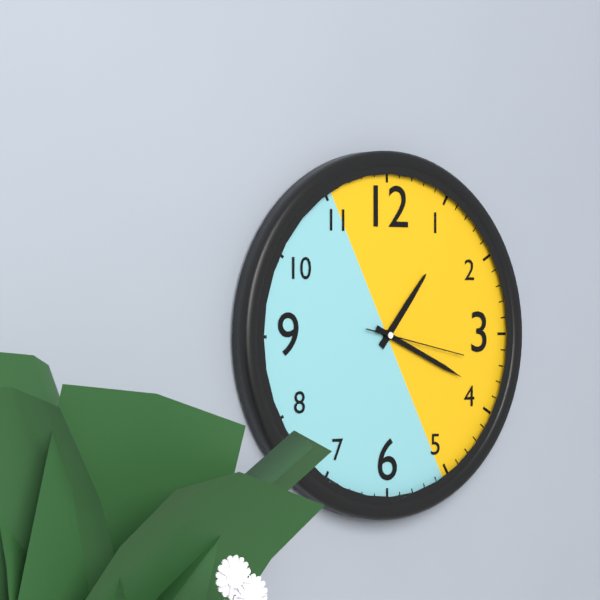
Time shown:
{"hour": 1, "minute": 19, "second": 17}
